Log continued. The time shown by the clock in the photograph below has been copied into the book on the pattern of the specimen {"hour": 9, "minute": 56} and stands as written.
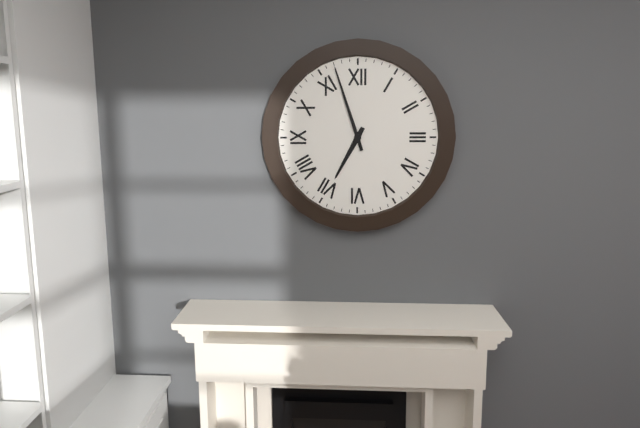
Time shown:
{"hour": 6, "minute": 57}
